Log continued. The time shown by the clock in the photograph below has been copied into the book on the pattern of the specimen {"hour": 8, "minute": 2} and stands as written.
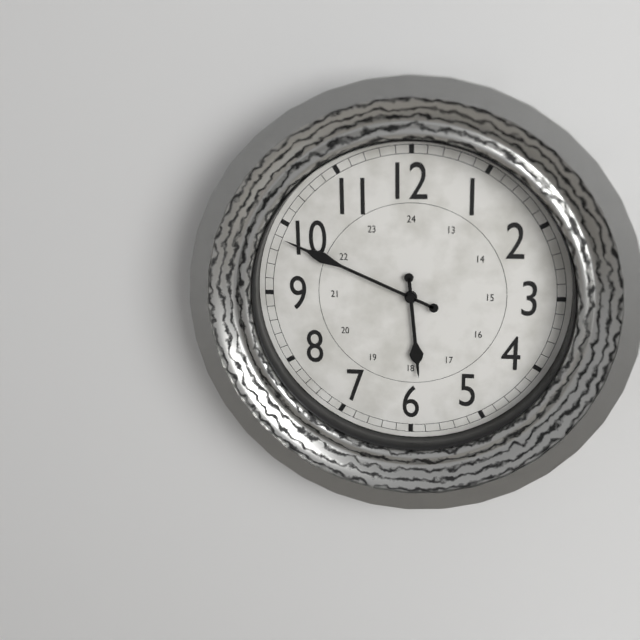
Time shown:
{"hour": 5, "minute": 49}
